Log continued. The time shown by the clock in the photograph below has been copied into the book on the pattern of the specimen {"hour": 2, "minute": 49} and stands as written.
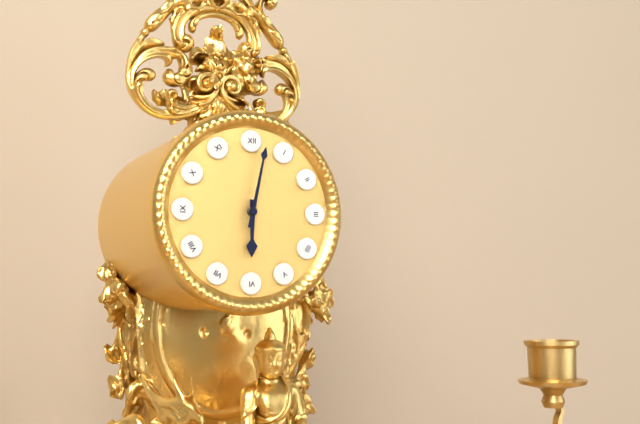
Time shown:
{"hour": 6, "minute": 2}
